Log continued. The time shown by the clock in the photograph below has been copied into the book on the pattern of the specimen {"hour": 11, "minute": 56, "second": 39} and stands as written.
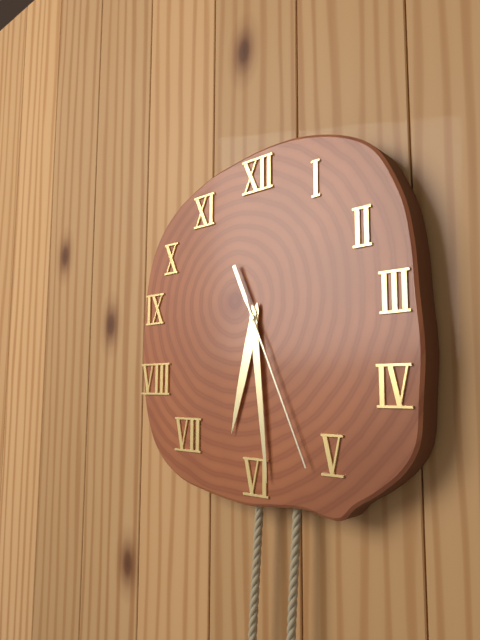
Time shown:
{"hour": 6, "minute": 29, "second": 26}
